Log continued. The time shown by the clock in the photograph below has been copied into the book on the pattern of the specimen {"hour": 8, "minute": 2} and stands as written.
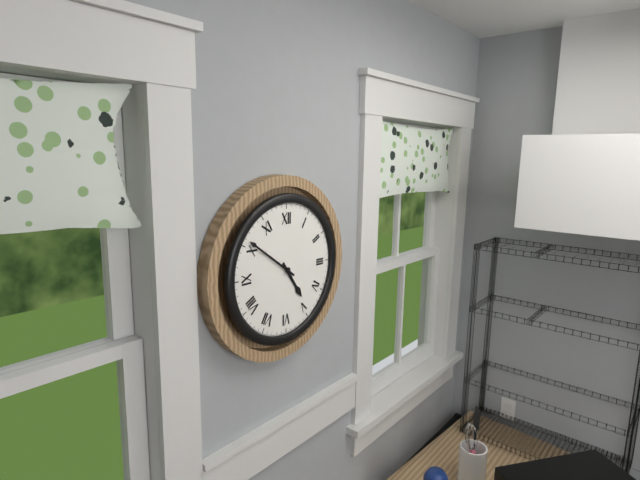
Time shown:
{"hour": 4, "minute": 51}
